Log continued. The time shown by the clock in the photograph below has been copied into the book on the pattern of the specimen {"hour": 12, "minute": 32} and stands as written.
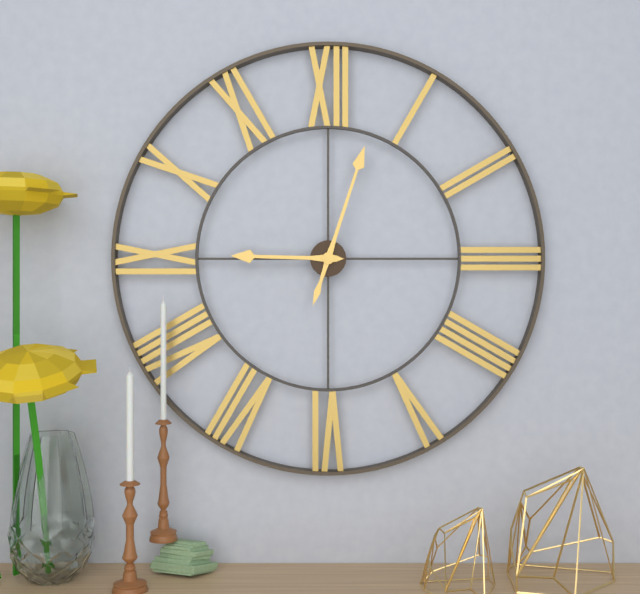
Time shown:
{"hour": 9, "minute": 3}
